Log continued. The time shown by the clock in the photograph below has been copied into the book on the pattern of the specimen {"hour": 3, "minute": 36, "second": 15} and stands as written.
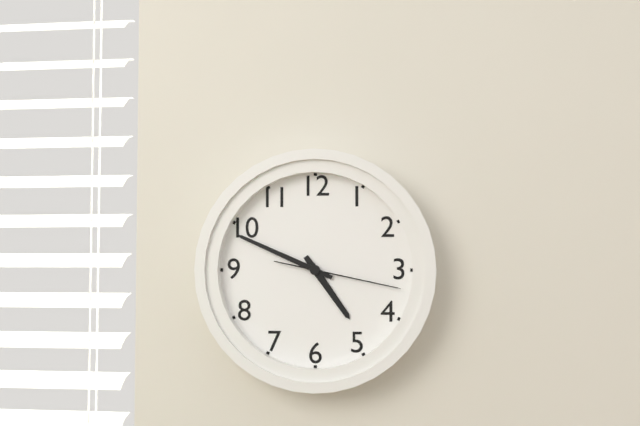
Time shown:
{"hour": 4, "minute": 49, "second": 17}
